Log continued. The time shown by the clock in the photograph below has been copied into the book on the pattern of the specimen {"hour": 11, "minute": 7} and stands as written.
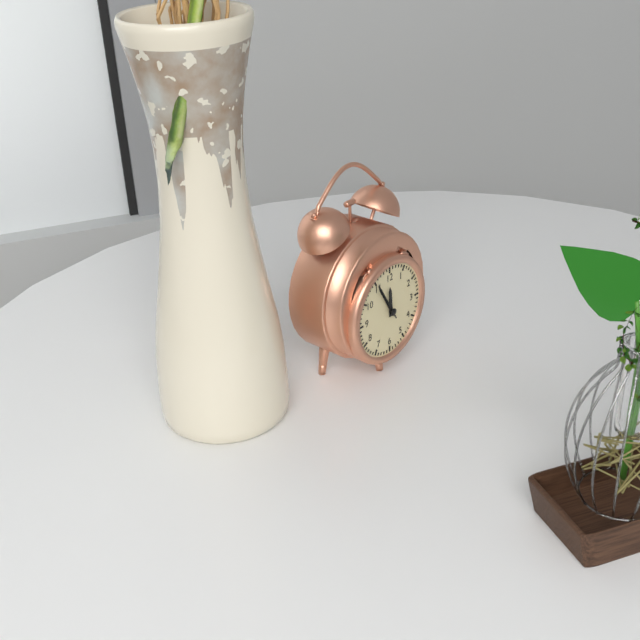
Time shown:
{"hour": 11, "minute": 55}
